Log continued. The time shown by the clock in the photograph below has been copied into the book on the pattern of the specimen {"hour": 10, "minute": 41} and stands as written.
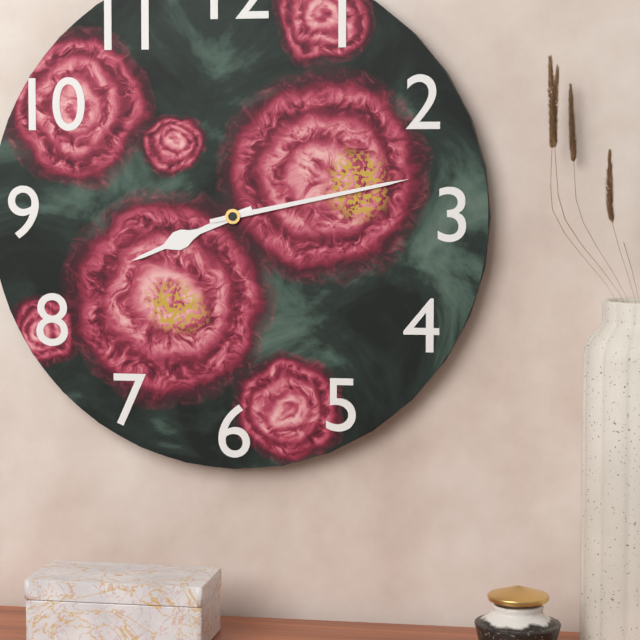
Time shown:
{"hour": 8, "minute": 13}
